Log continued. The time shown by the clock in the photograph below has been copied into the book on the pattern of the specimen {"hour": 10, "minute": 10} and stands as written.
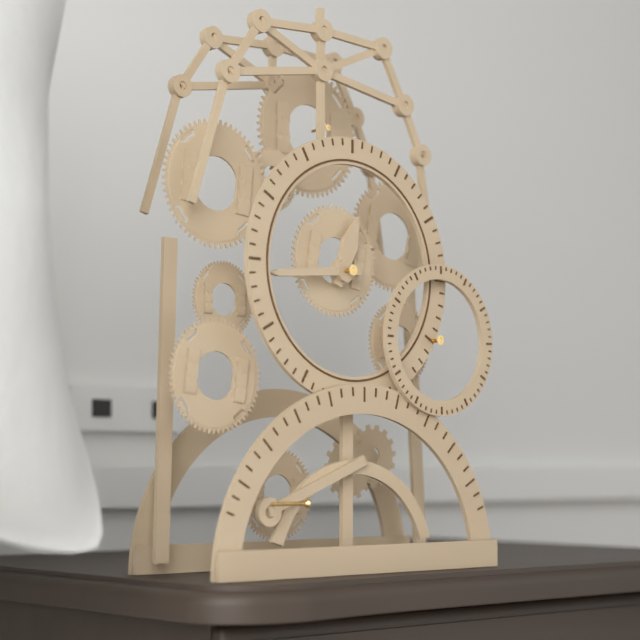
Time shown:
{"hour": 12, "minute": 44}
